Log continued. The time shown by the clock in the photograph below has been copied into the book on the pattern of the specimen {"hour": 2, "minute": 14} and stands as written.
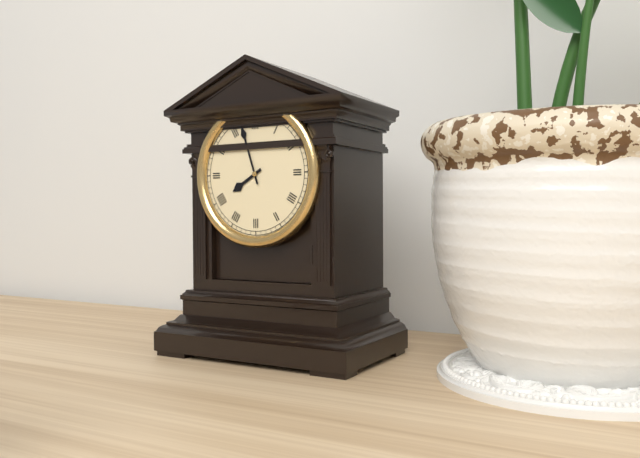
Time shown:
{"hour": 7, "minute": 57}
